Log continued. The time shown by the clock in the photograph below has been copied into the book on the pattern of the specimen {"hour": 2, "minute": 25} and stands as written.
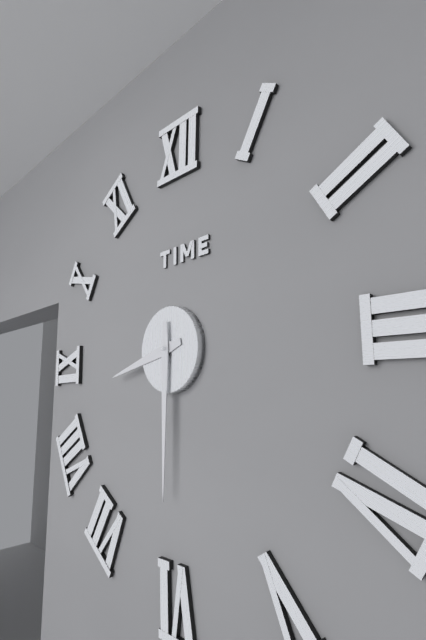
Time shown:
{"hour": 8, "minute": 30}
